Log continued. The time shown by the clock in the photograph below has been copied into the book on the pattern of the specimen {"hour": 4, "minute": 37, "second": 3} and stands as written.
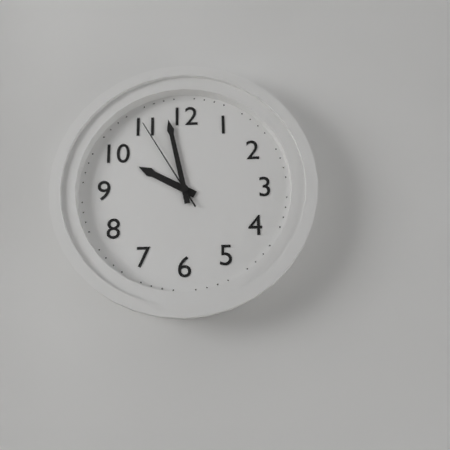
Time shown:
{"hour": 9, "minute": 58, "second": 55}
